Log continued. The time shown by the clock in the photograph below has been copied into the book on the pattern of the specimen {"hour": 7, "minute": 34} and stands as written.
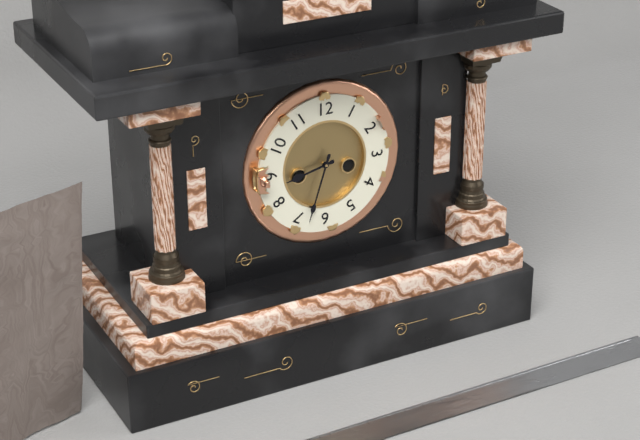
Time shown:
{"hour": 8, "minute": 33}
